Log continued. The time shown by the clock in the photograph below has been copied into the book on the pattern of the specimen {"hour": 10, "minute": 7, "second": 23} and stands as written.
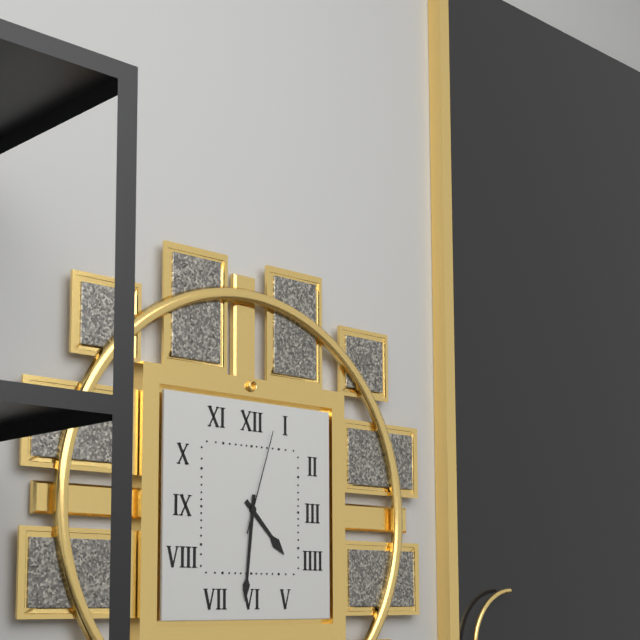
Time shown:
{"hour": 4, "minute": 31, "second": 3}
